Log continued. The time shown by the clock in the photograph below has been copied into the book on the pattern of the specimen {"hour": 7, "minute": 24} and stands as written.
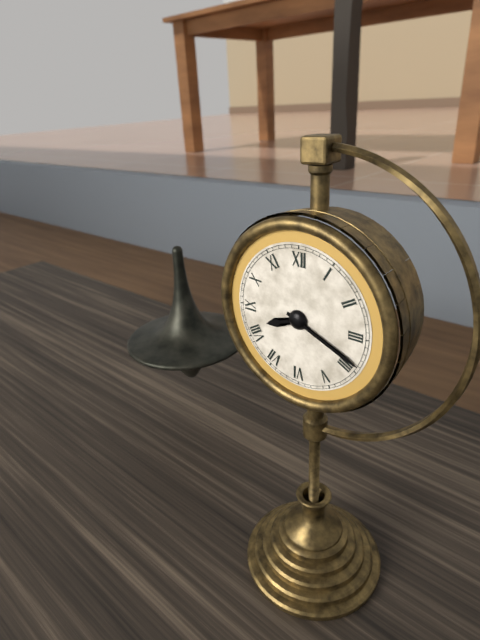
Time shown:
{"hour": 8, "minute": 19}
